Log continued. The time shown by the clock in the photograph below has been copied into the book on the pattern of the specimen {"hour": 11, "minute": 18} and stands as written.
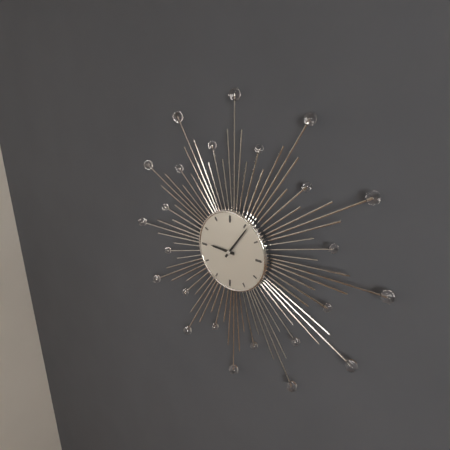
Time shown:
{"hour": 9, "minute": 6}
